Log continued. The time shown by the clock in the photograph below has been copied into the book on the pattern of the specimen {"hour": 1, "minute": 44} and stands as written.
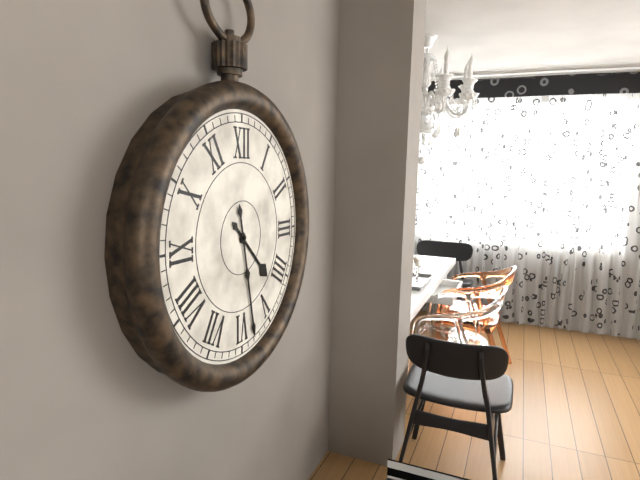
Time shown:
{"hour": 4, "minute": 28}
